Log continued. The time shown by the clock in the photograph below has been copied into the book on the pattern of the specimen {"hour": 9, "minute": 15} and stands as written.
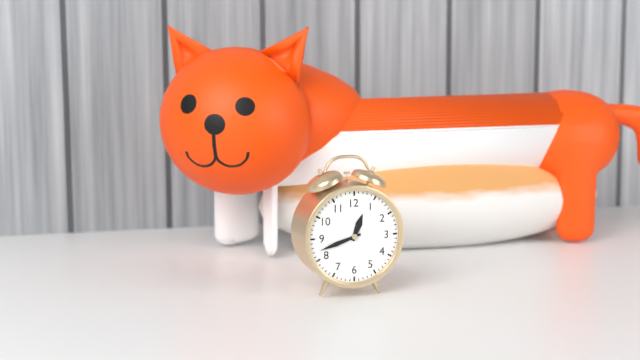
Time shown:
{"hour": 12, "minute": 42}
